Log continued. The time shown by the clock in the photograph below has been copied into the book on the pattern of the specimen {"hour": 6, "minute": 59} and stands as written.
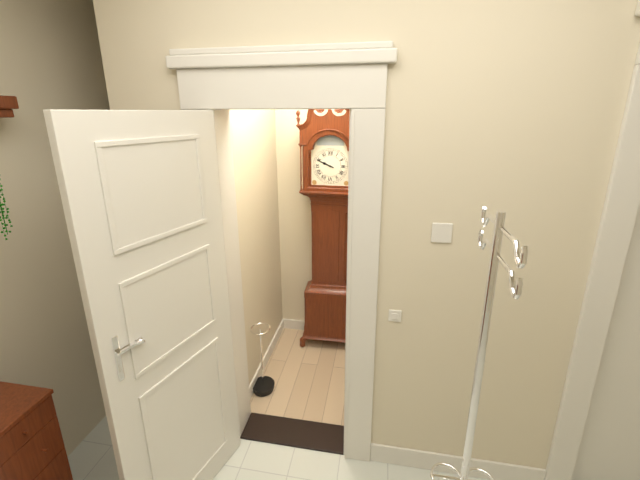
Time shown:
{"hour": 9, "minute": 49}
